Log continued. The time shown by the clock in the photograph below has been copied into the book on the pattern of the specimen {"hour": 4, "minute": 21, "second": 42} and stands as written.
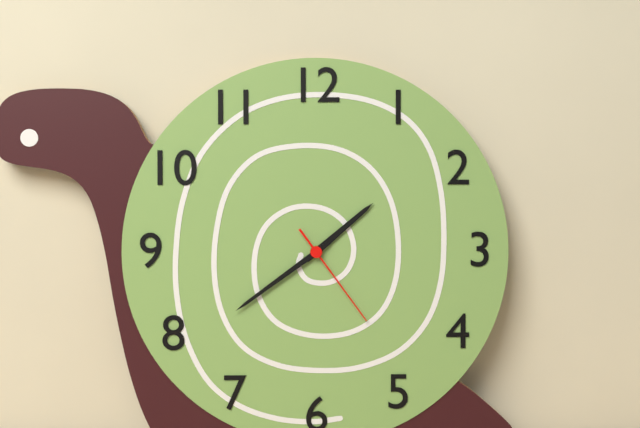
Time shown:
{"hour": 1, "minute": 39, "second": 24}
